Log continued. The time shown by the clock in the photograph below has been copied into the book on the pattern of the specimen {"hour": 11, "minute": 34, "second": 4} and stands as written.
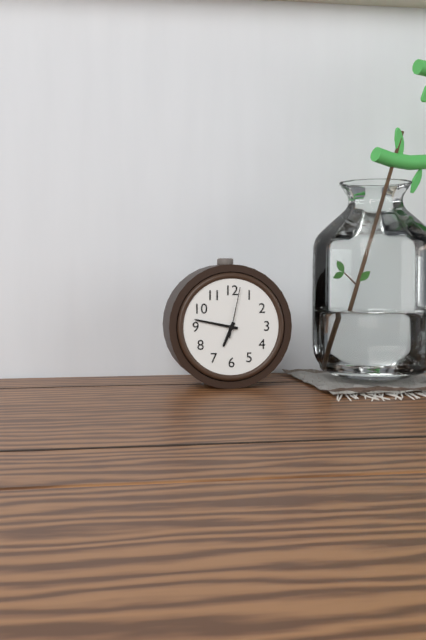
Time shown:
{"hour": 6, "minute": 47, "second": 2}
